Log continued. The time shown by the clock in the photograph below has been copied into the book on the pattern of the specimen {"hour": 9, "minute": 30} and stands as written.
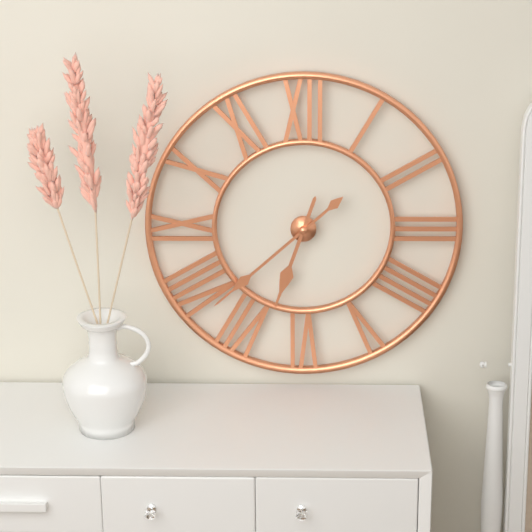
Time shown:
{"hour": 6, "minute": 38}
